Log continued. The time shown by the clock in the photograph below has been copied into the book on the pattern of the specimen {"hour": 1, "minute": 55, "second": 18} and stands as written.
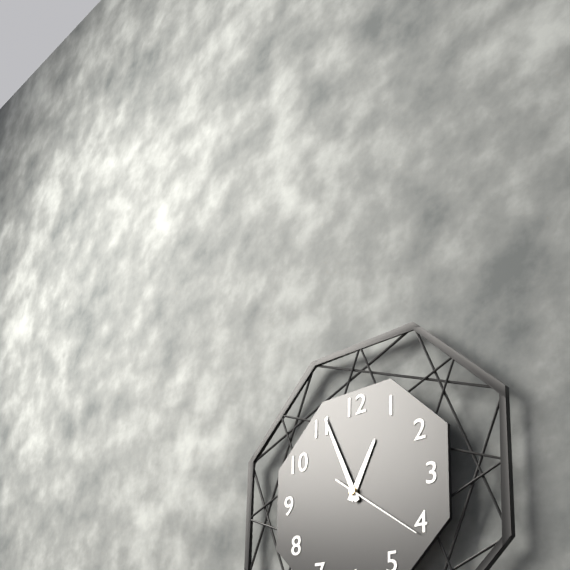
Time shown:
{"hour": 12, "minute": 56, "second": 21}
